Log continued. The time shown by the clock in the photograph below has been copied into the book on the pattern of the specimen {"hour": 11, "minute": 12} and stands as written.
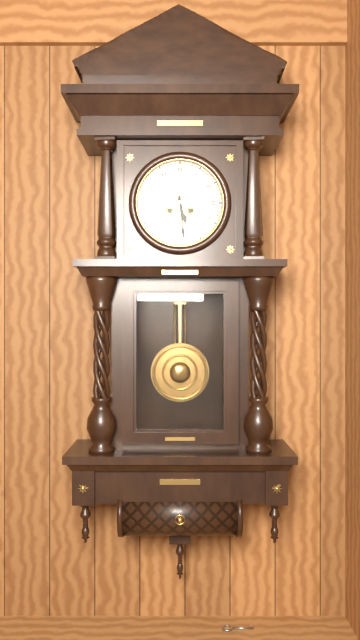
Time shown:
{"hour": 5, "minute": 29}
